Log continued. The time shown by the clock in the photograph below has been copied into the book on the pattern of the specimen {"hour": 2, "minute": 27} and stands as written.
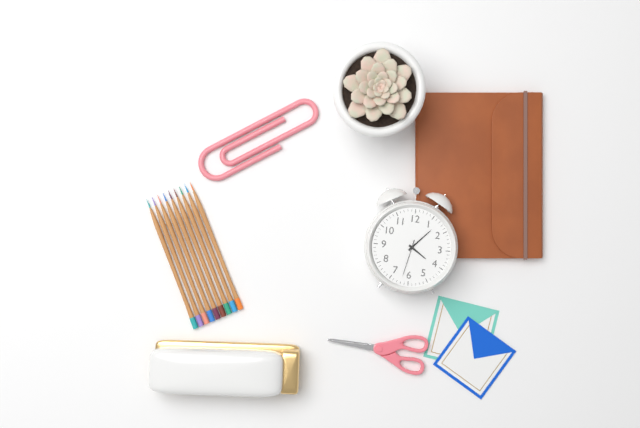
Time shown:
{"hour": 4, "minute": 7}
